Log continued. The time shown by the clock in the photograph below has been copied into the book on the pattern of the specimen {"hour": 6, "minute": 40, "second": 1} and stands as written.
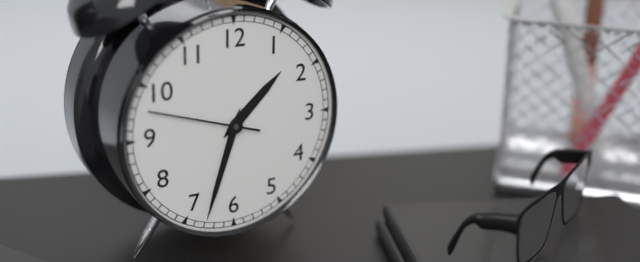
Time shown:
{"hour": 1, "minute": 33, "second": 48}
